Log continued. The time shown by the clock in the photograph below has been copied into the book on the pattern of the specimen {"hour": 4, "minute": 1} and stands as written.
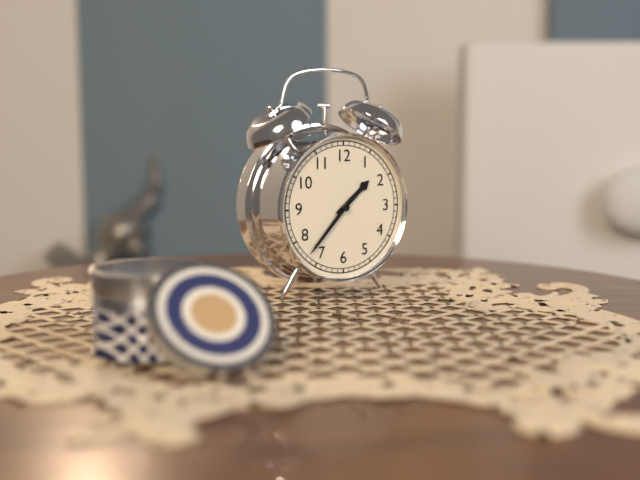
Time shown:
{"hour": 1, "minute": 37}
